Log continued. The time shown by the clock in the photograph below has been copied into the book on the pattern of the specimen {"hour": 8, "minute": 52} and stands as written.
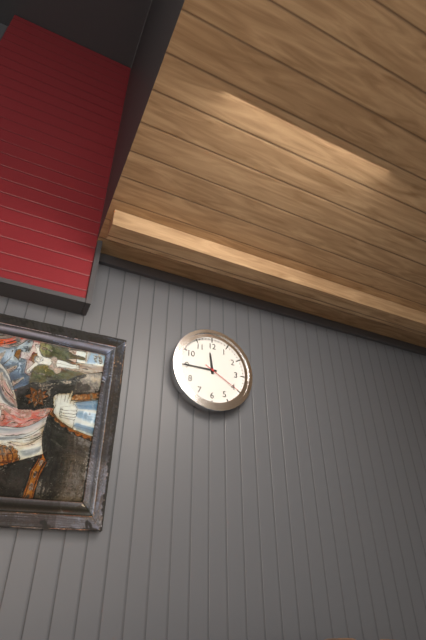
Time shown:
{"hour": 11, "minute": 45}
